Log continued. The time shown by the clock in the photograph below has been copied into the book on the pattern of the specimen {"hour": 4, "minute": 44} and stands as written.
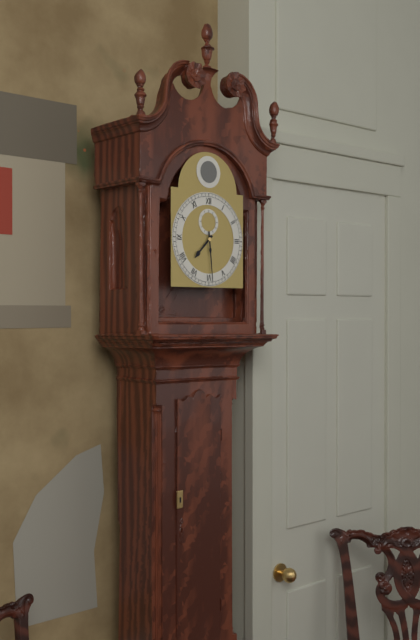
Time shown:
{"hour": 7, "minute": 29}
